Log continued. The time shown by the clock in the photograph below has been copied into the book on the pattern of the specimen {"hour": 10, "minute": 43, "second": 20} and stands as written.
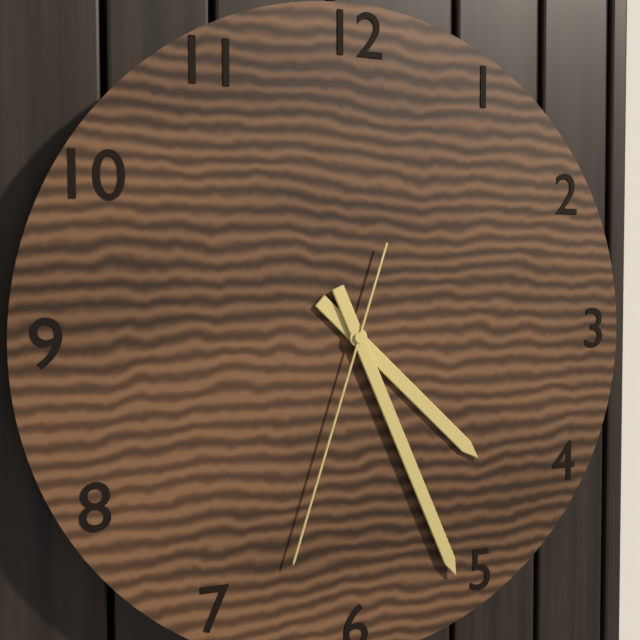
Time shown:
{"hour": 4, "minute": 26, "second": 33}
